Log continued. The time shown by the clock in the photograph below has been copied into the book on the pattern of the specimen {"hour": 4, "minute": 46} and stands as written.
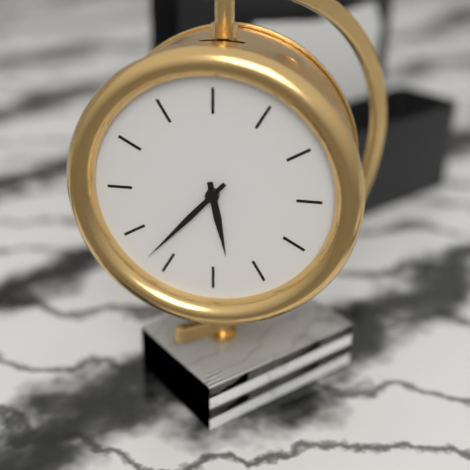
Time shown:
{"hour": 5, "minute": 37}
